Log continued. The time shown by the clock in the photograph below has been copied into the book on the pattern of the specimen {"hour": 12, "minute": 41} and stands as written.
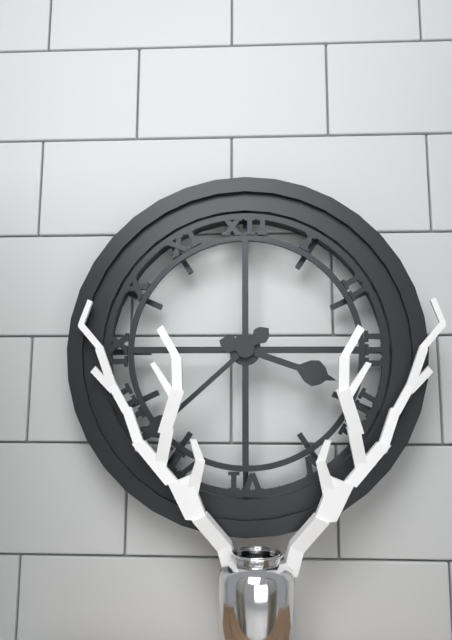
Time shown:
{"hour": 3, "minute": 38}
